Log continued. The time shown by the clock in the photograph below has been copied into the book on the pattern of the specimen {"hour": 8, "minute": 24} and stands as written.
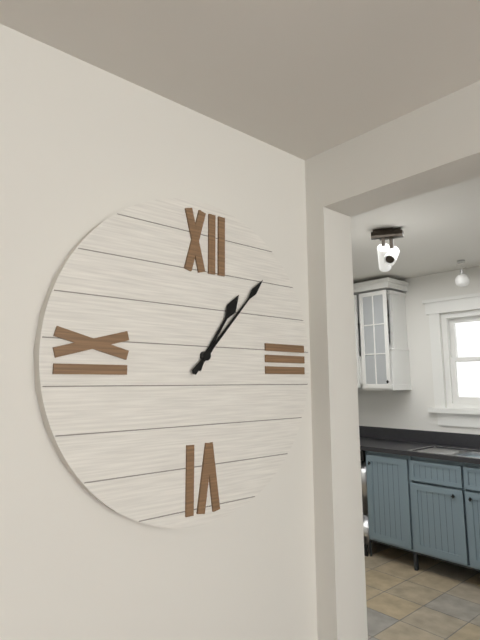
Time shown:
{"hour": 1, "minute": 7}
